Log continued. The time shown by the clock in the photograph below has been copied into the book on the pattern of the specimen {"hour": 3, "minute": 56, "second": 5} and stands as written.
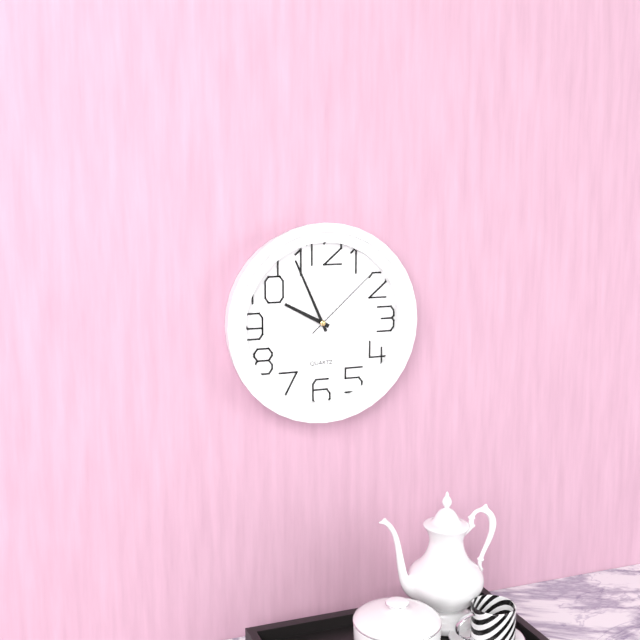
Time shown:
{"hour": 9, "minute": 56, "second": 8}
